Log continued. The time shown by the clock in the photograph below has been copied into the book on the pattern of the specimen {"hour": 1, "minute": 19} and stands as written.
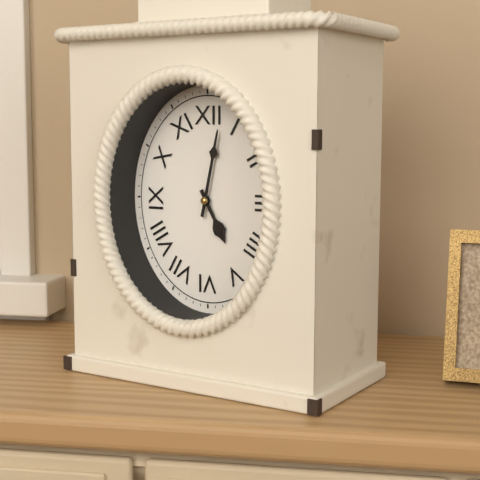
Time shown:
{"hour": 5, "minute": 2}
